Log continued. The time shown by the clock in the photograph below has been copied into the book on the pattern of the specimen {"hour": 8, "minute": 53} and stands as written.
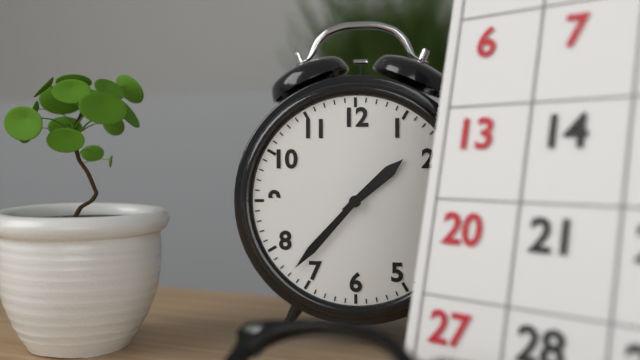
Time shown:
{"hour": 1, "minute": 37}
